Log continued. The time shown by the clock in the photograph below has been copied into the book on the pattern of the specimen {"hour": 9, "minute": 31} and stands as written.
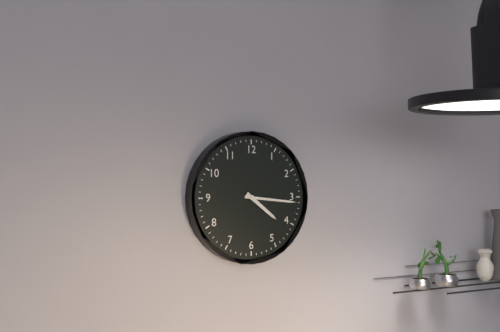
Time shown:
{"hour": 4, "minute": 16}
